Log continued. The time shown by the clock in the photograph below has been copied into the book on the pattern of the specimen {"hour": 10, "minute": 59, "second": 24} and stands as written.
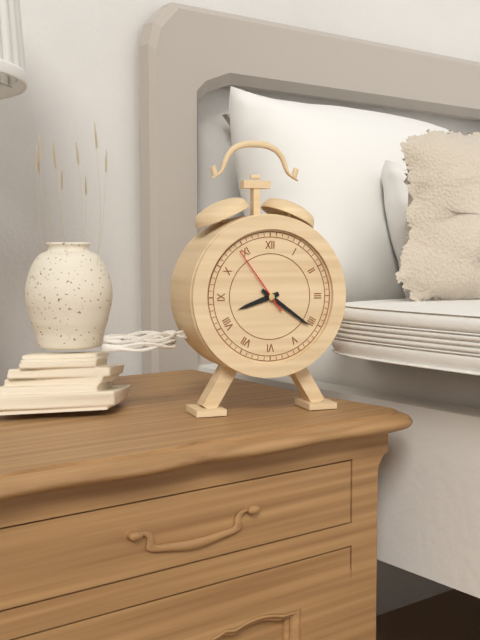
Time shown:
{"hour": 8, "minute": 21, "second": 54}
